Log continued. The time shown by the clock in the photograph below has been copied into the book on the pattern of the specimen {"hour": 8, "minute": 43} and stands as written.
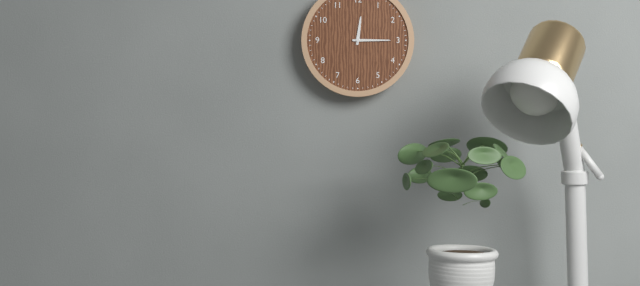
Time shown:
{"hour": 12, "minute": 15}
